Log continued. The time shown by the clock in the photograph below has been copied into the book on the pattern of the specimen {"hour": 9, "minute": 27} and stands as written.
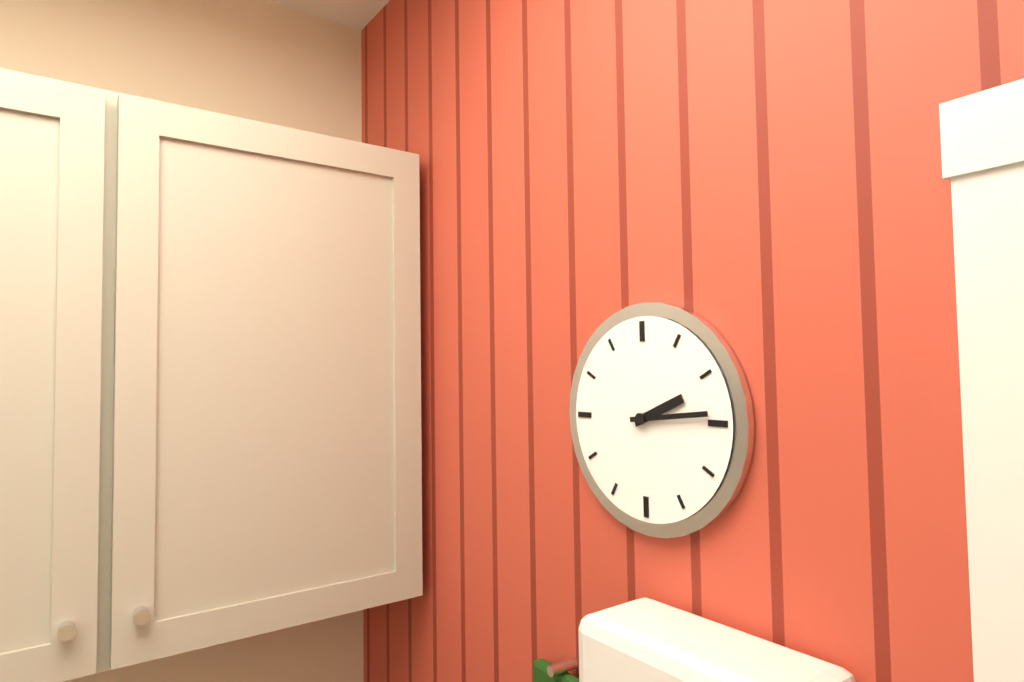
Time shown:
{"hour": 2, "minute": 14}
